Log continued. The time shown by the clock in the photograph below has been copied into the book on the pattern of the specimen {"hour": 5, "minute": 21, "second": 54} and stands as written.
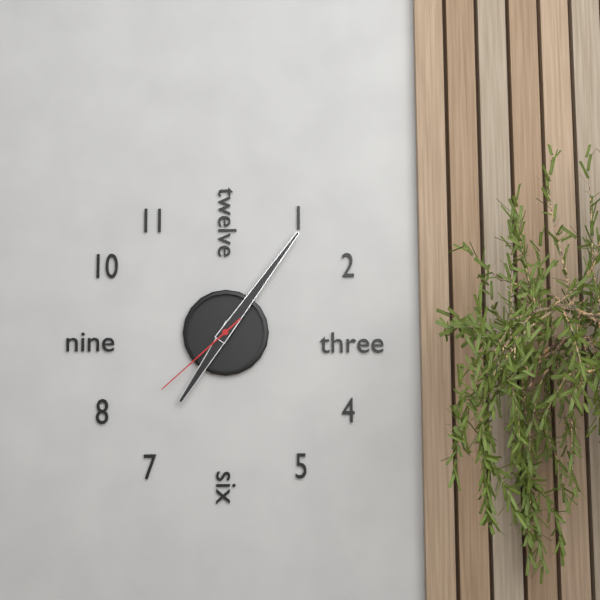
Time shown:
{"hour": 7, "minute": 6, "second": 38}
